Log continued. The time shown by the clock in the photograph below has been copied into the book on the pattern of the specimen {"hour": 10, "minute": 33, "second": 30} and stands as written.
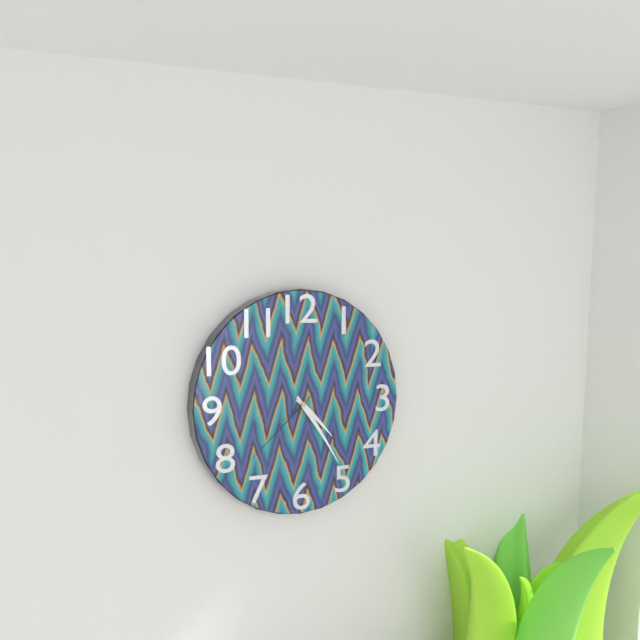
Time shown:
{"hour": 4, "minute": 24, "second": 38}
